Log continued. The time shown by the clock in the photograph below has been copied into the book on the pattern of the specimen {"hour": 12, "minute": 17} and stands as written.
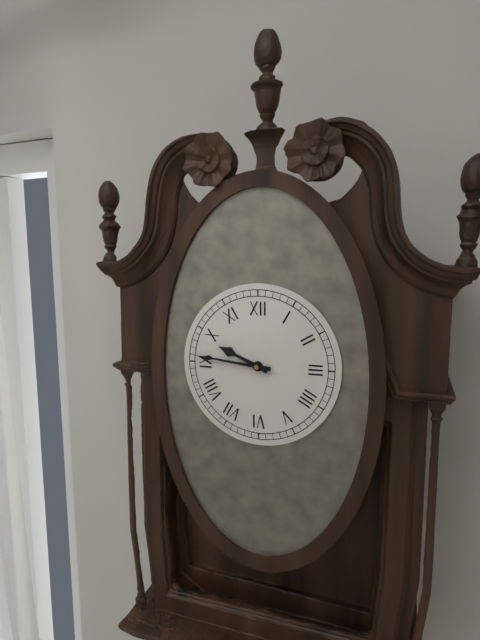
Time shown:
{"hour": 9, "minute": 46}
